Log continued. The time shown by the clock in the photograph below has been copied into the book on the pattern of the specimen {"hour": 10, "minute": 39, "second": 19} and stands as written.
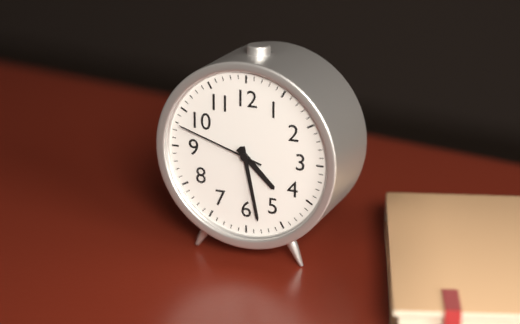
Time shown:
{"hour": 4, "minute": 28, "second": 48}
